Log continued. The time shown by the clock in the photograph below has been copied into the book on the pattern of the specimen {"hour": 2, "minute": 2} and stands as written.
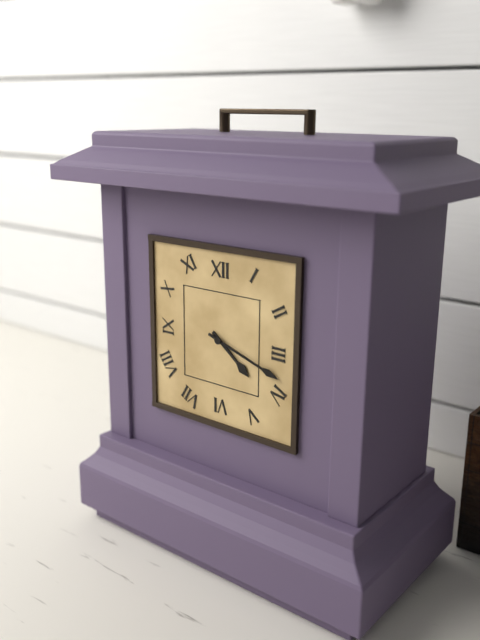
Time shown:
{"hour": 4, "minute": 18}
